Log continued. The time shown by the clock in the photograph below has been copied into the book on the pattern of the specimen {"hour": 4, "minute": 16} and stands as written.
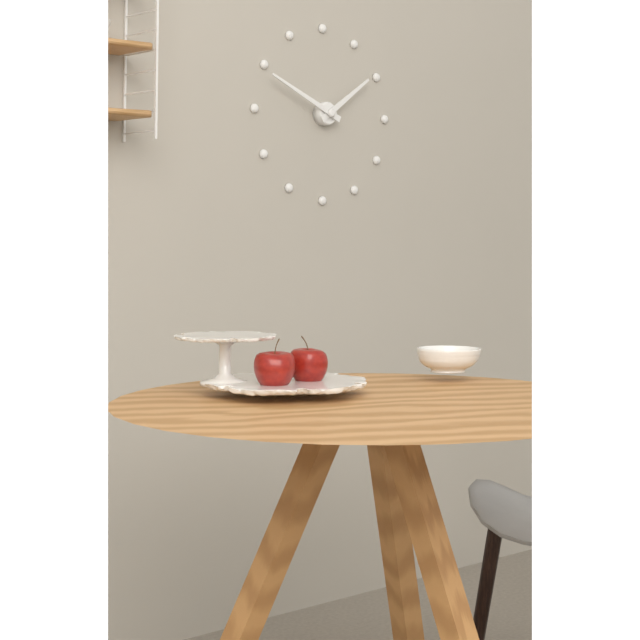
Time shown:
{"hour": 1, "minute": 49}
